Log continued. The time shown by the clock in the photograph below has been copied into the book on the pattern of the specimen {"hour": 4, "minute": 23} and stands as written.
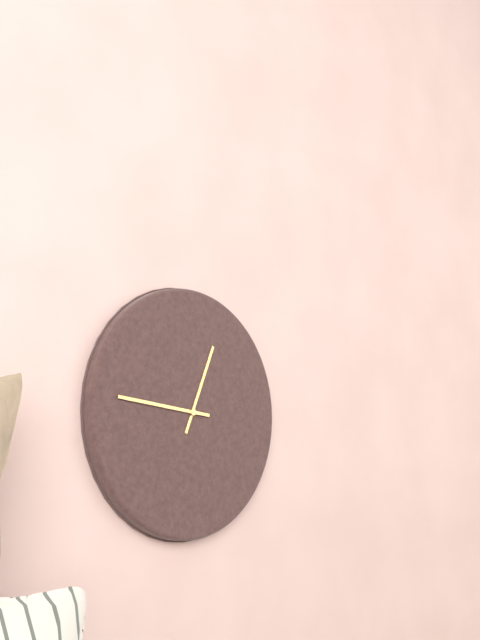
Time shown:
{"hour": 12, "minute": 46}
